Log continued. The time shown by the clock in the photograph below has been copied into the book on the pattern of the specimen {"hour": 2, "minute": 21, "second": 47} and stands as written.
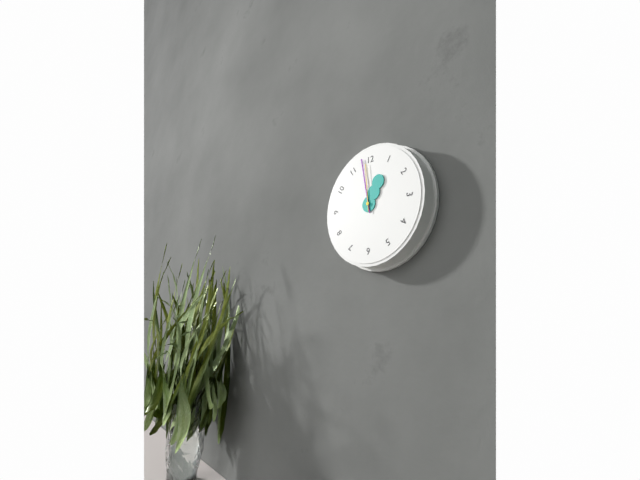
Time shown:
{"hour": 12, "minute": 58, "second": 59}
